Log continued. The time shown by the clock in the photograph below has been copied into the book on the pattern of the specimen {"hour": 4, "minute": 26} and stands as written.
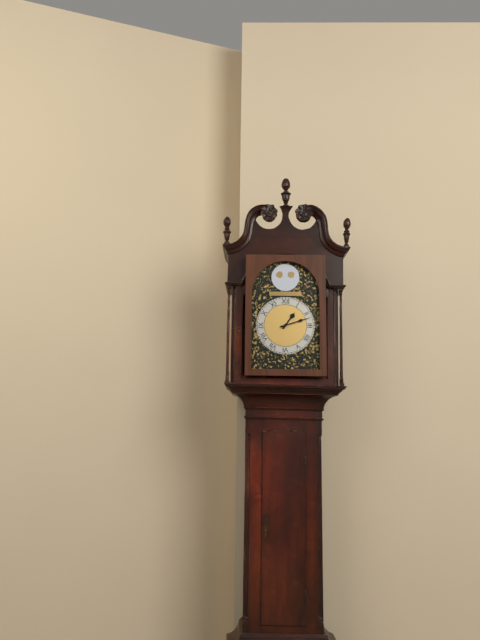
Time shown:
{"hour": 1, "minute": 12}
